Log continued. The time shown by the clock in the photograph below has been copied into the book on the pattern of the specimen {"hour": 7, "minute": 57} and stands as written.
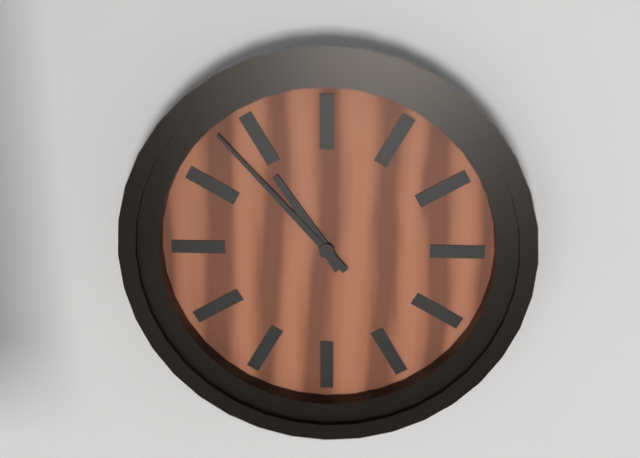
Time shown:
{"hour": 10, "minute": 53}
